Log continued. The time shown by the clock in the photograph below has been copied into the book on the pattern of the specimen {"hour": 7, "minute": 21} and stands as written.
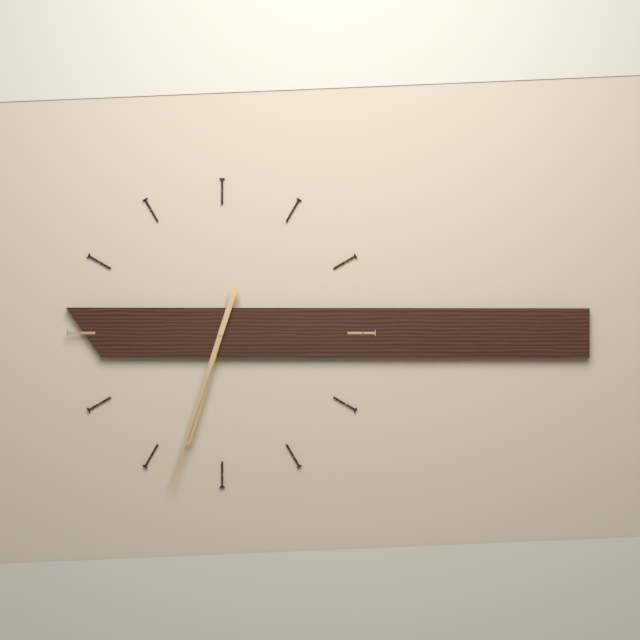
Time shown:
{"hour": 6, "minute": 33}
